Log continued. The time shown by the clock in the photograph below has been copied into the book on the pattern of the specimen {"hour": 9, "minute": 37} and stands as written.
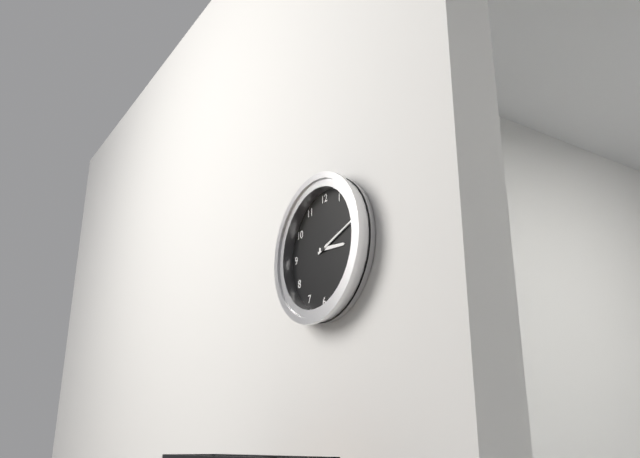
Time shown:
{"hour": 3, "minute": 12}
